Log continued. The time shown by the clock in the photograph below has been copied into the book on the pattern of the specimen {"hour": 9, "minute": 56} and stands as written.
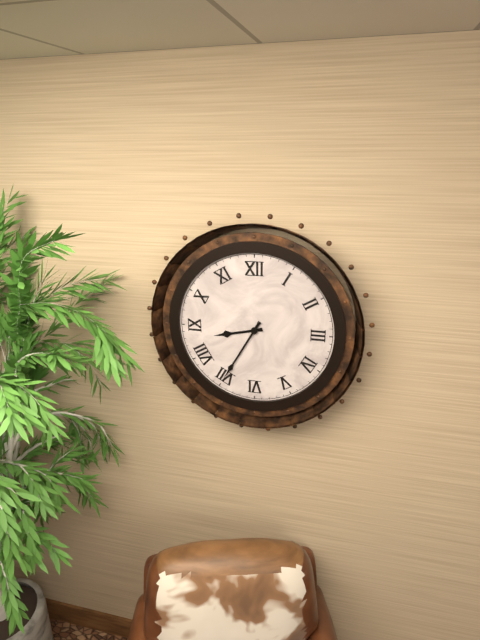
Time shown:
{"hour": 8, "minute": 35}
